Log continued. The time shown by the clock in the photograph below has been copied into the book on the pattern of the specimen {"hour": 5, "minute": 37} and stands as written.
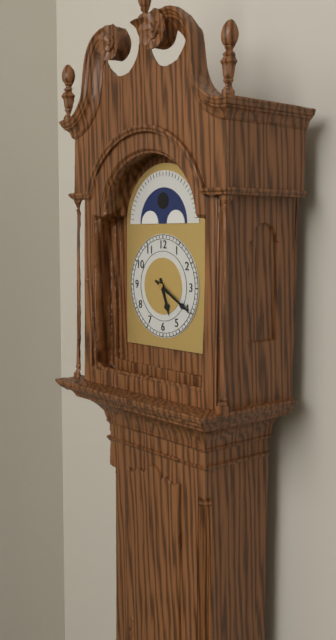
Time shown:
{"hour": 5, "minute": 20}
